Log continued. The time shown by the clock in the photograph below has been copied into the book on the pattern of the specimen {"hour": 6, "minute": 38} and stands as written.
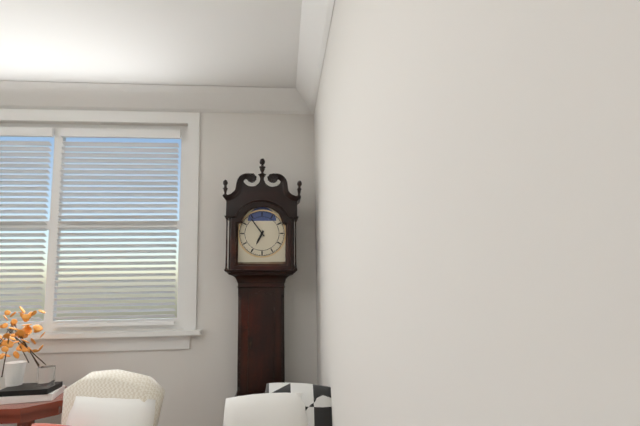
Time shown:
{"hour": 6, "minute": 54}
